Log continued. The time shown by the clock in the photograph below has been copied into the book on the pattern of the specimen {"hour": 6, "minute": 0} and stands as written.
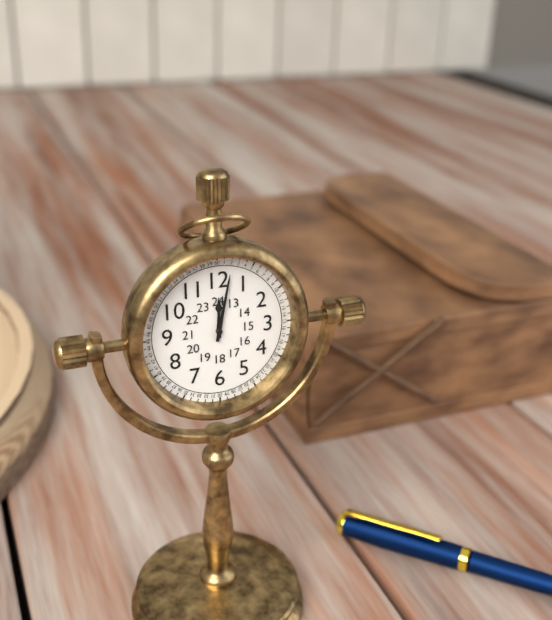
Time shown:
{"hour": 12, "minute": 2}
